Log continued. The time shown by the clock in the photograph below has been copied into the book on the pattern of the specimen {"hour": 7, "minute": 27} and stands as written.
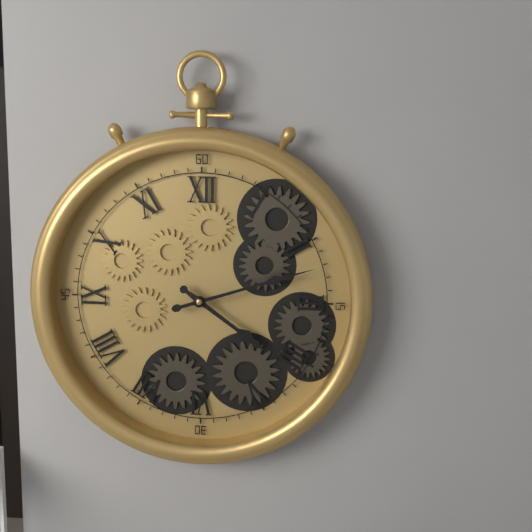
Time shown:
{"hour": 4, "minute": 12}
